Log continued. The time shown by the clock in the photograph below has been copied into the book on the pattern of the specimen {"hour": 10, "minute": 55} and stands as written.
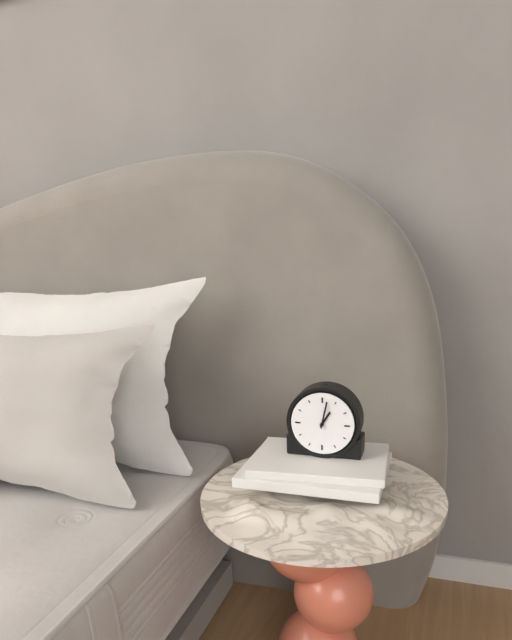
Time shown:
{"hour": 1, "minute": 2}
